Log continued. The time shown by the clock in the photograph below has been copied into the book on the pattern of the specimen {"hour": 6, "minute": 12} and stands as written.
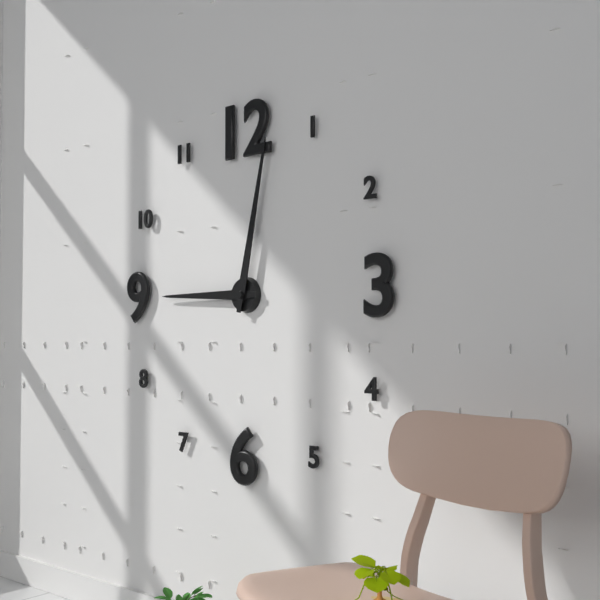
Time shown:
{"hour": 9, "minute": 2}
